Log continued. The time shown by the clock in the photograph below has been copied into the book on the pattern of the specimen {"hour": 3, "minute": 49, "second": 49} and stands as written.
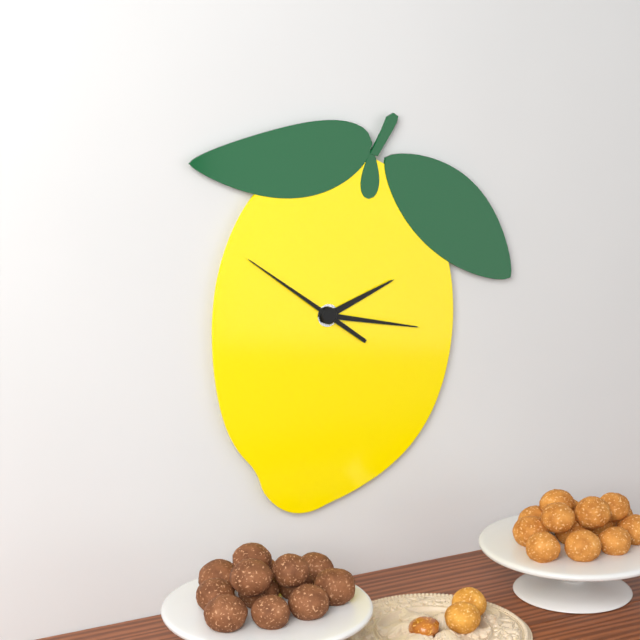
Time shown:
{"hour": 2, "minute": 17, "second": 51}
